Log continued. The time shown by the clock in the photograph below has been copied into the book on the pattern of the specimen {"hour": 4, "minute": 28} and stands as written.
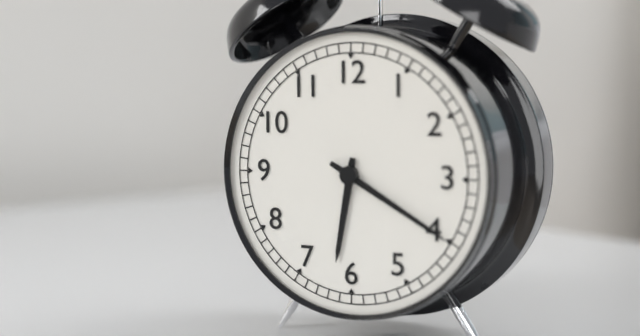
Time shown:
{"hour": 6, "minute": 20}
